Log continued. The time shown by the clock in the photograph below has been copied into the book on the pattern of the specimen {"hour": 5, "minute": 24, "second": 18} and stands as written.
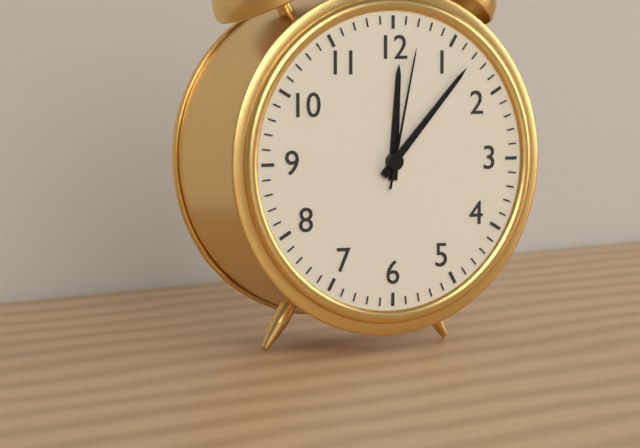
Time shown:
{"hour": 12, "minute": 7, "second": 2}
